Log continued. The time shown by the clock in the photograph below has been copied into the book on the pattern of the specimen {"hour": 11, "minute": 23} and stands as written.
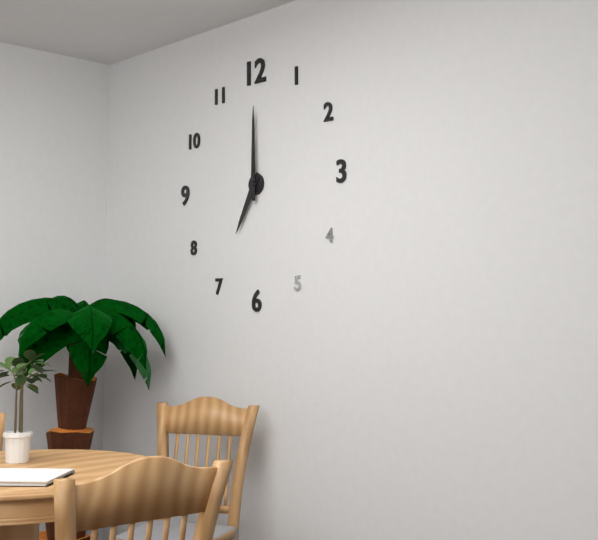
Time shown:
{"hour": 7, "minute": 0}
